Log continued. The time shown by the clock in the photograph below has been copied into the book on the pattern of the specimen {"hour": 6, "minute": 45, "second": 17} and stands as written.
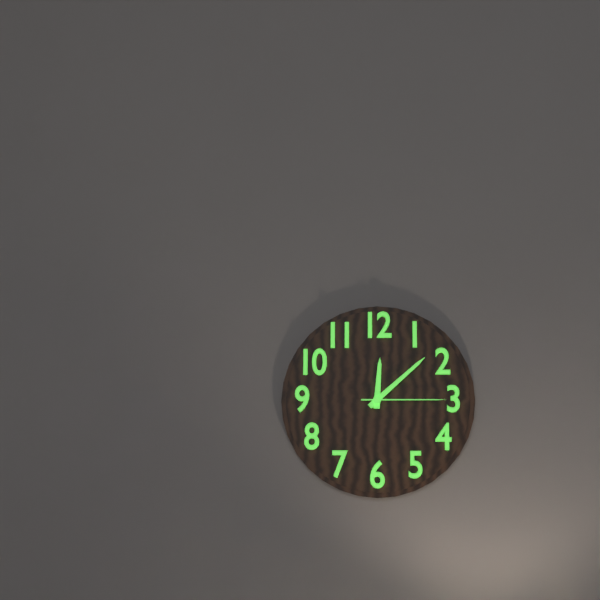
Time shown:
{"hour": 12, "minute": 8, "second": 15}
